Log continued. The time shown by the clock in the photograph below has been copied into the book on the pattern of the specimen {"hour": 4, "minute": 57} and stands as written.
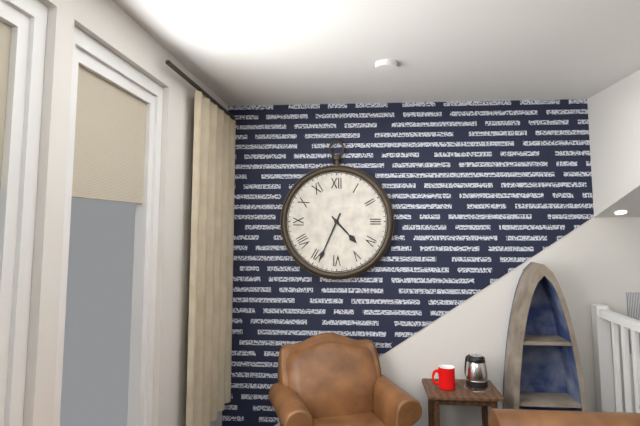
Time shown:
{"hour": 4, "minute": 34}
